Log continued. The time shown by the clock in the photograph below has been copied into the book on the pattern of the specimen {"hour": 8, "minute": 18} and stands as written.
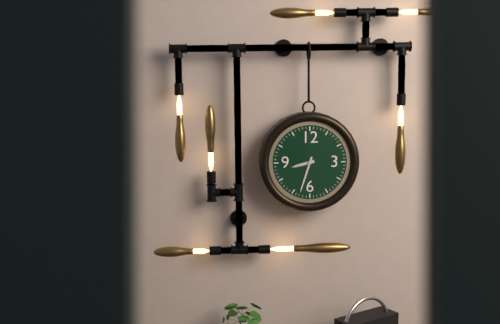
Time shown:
{"hour": 8, "minute": 33}
